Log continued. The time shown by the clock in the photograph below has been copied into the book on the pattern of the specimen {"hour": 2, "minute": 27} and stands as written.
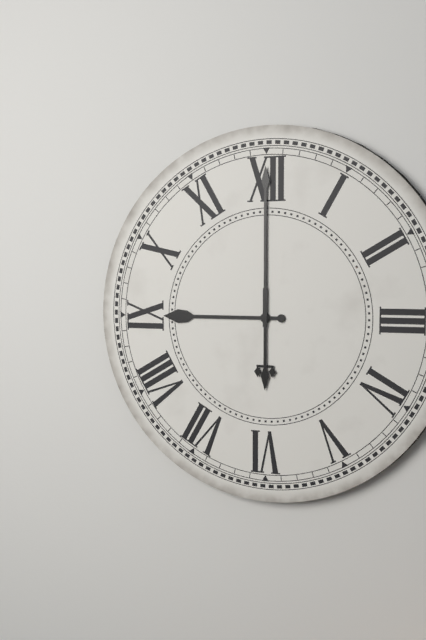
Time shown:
{"hour": 9, "minute": 0}
